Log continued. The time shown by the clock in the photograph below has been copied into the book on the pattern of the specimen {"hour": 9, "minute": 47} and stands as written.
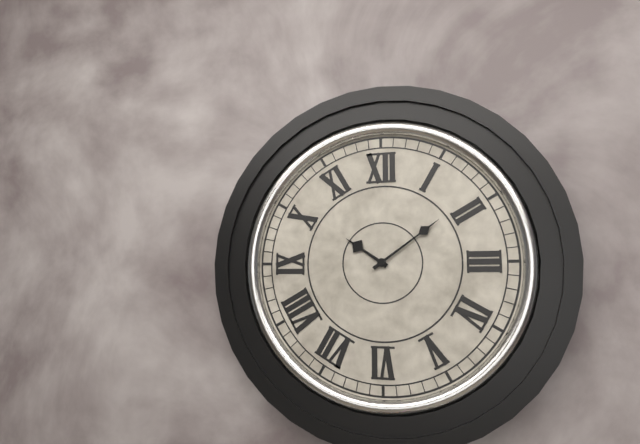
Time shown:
{"hour": 10, "minute": 9}
